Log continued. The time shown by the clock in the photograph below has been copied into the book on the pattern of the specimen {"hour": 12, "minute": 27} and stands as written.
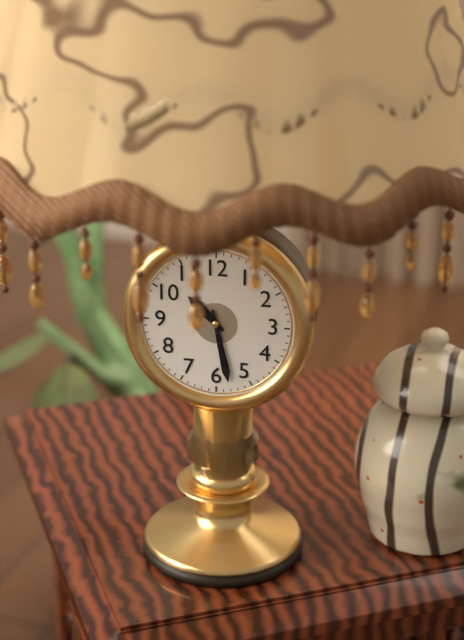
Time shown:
{"hour": 10, "minute": 28}
